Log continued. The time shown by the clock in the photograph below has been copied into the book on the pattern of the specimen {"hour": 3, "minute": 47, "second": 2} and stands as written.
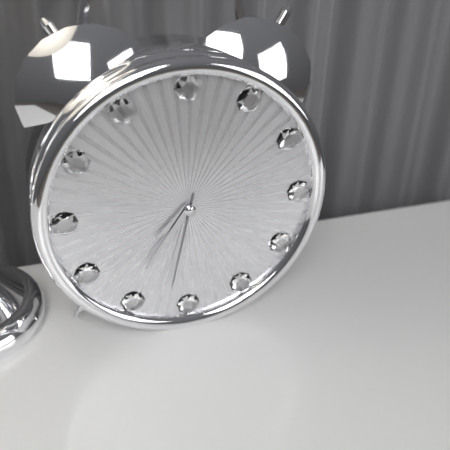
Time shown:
{"hour": 7, "minute": 36, "second": 32}
